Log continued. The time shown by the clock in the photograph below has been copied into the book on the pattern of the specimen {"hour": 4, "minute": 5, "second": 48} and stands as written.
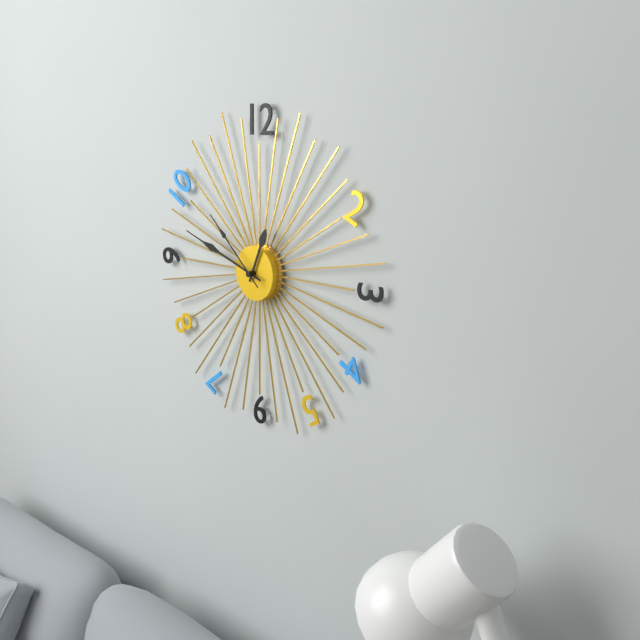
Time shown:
{"hour": 12, "minute": 48, "second": 52}
